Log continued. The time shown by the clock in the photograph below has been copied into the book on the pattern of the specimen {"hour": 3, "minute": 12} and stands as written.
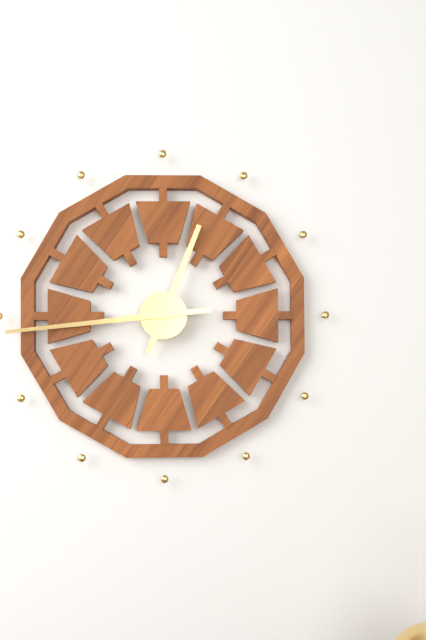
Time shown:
{"hour": 12, "minute": 44}
